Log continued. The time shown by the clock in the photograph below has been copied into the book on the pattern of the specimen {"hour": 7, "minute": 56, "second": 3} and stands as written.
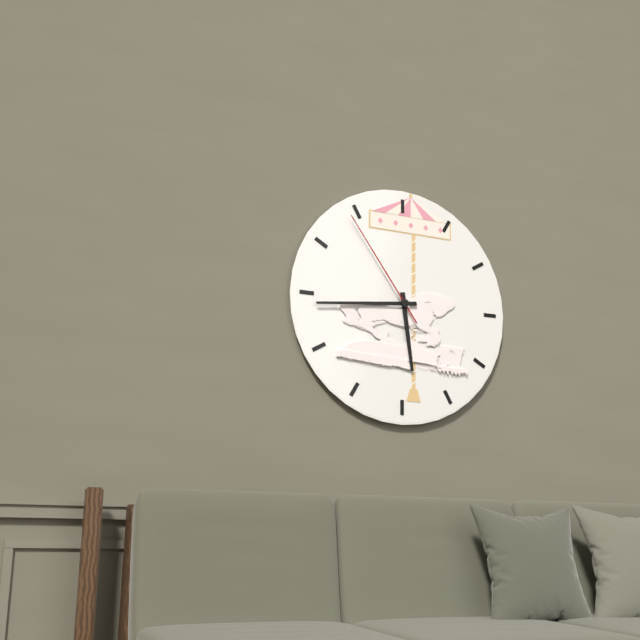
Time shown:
{"hour": 5, "minute": 44, "second": 54}
